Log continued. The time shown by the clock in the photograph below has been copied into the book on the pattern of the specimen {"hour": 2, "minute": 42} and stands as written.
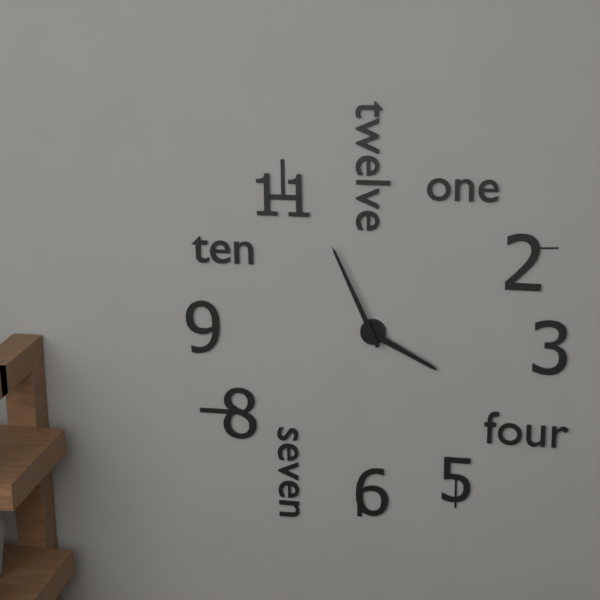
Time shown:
{"hour": 3, "minute": 56}
